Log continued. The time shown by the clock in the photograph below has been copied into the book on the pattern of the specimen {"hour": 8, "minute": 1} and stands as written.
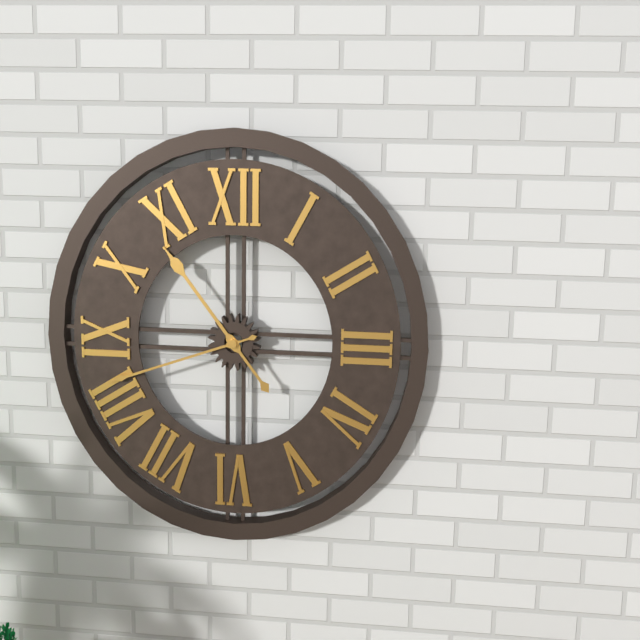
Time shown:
{"hour": 10, "minute": 42}
